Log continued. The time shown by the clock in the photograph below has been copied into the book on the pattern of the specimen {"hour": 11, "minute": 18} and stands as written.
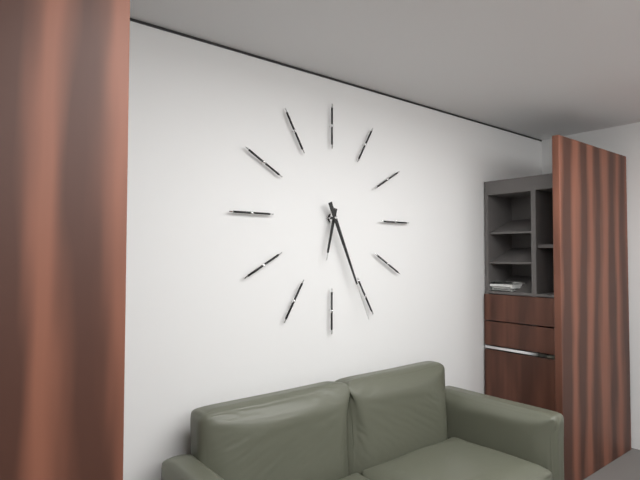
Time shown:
{"hour": 6, "minute": 26}
